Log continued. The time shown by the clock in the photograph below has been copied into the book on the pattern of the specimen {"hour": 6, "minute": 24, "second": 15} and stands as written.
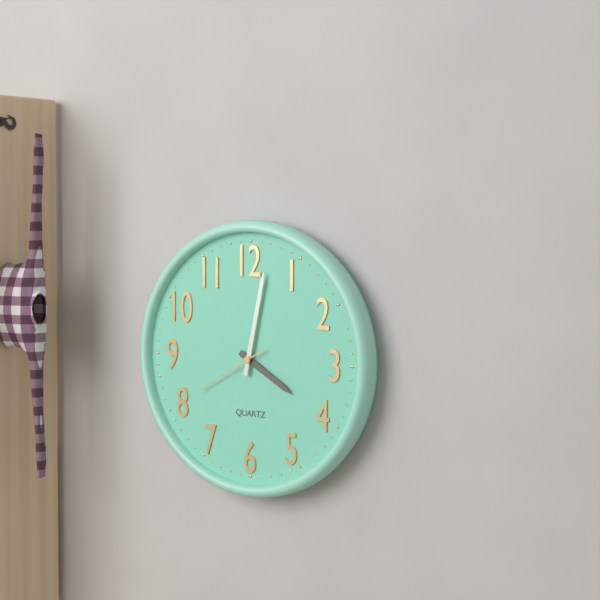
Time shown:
{"hour": 4, "minute": 2, "second": 40}
